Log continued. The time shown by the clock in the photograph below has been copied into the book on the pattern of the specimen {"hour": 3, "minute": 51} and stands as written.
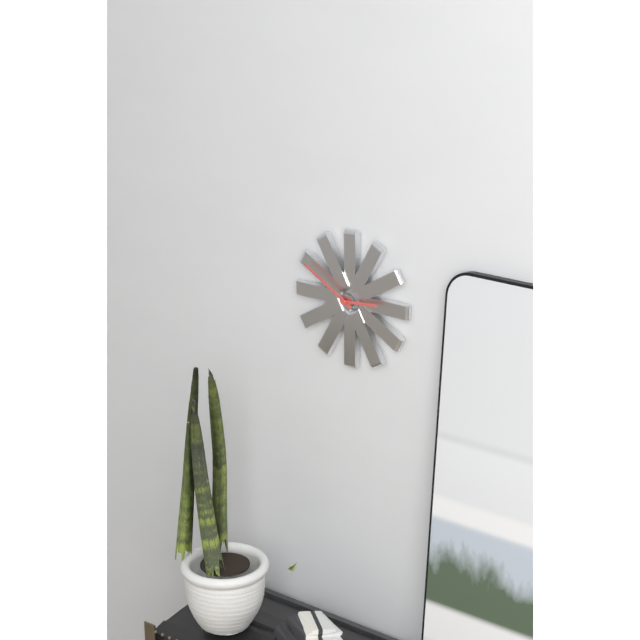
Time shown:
{"hour": 2, "minute": 50}
